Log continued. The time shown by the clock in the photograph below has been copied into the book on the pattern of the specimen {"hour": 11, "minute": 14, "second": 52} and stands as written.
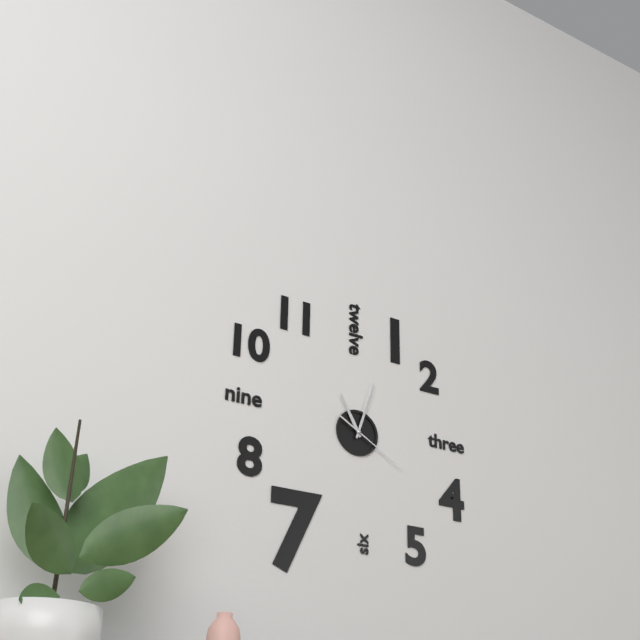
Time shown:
{"hour": 11, "minute": 3, "second": 20}
